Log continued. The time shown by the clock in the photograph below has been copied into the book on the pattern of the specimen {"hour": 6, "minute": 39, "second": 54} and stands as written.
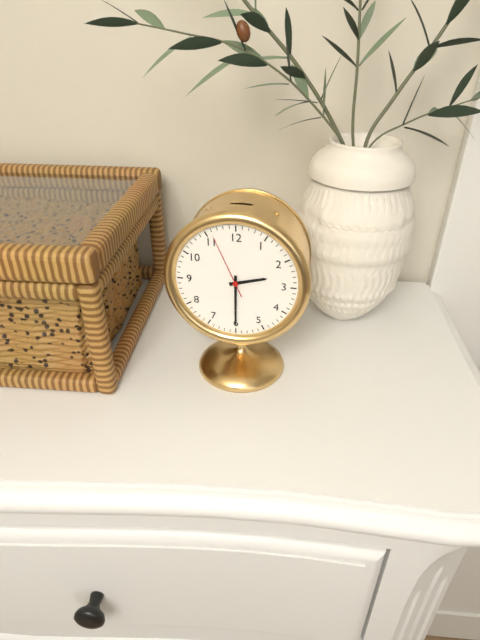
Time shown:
{"hour": 2, "minute": 30, "second": 56}
